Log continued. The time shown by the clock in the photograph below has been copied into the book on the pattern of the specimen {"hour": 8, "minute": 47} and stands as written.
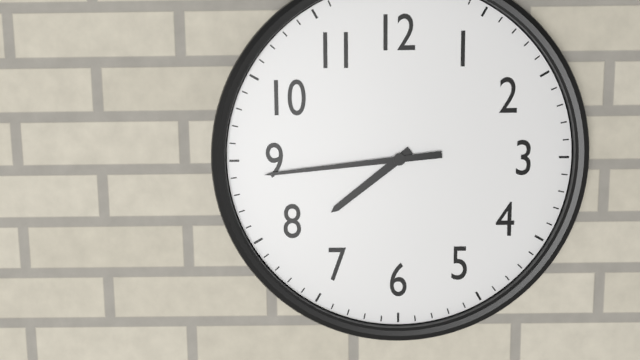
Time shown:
{"hour": 7, "minute": 44}
